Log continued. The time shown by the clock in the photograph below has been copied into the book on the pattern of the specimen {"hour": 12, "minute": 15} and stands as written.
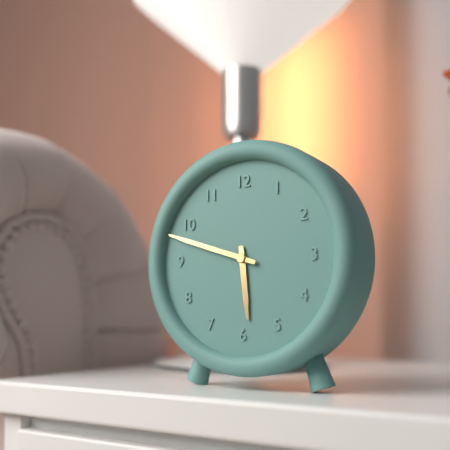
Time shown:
{"hour": 5, "minute": 48}
